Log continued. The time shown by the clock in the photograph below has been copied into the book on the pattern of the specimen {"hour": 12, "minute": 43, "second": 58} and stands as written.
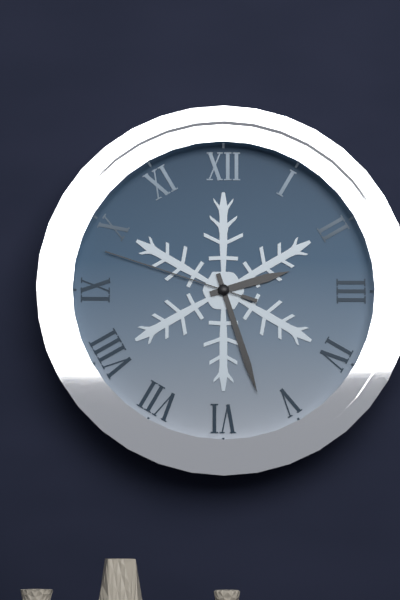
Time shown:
{"hour": 2, "minute": 27, "second": 48}
